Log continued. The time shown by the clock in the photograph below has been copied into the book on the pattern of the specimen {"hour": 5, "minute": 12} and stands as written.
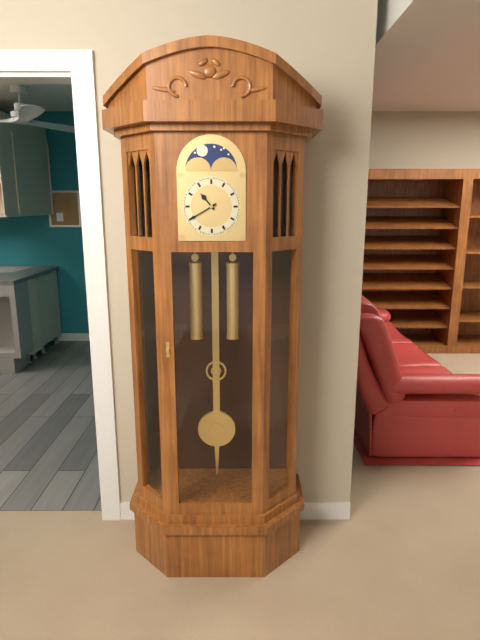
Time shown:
{"hour": 10, "minute": 40}
